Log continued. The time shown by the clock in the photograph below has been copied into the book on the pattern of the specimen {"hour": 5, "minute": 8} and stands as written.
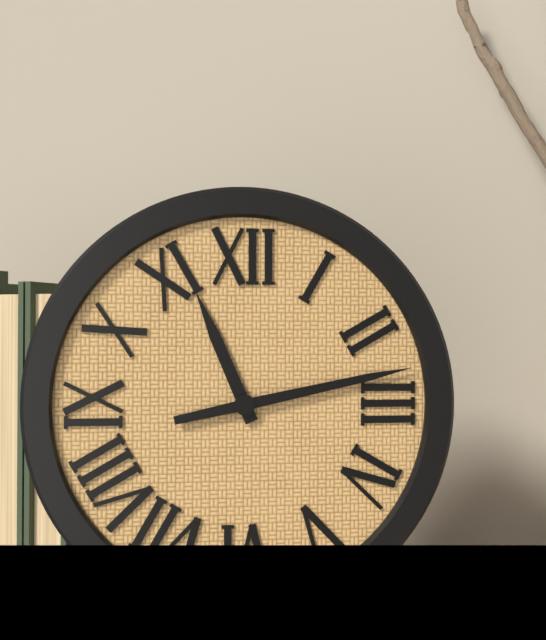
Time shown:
{"hour": 11, "minute": 13}
